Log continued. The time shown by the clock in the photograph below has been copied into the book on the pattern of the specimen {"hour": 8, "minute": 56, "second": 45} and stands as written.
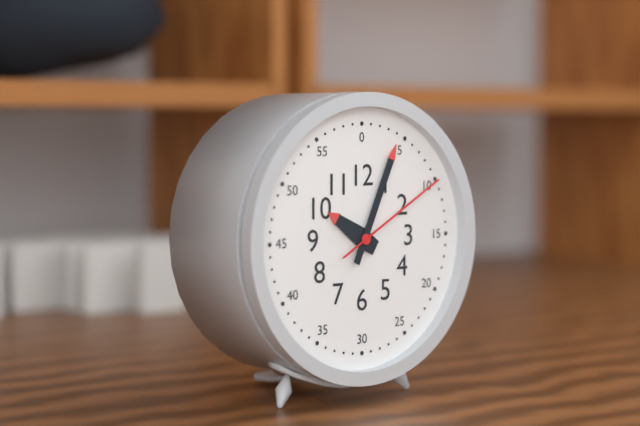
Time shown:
{"hour": 10, "minute": 4, "second": 10}
